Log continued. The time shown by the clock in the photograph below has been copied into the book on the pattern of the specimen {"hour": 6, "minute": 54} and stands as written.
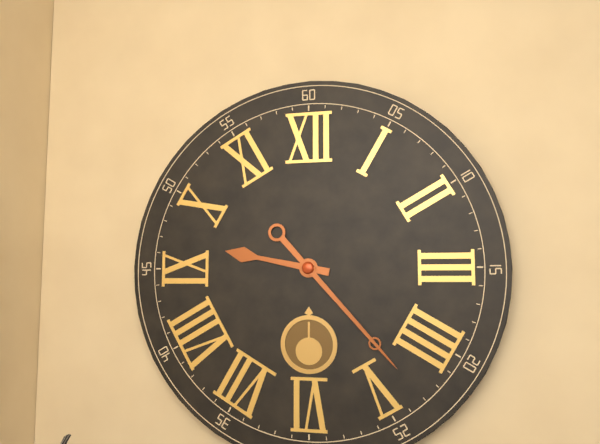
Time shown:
{"hour": 9, "minute": 23}
